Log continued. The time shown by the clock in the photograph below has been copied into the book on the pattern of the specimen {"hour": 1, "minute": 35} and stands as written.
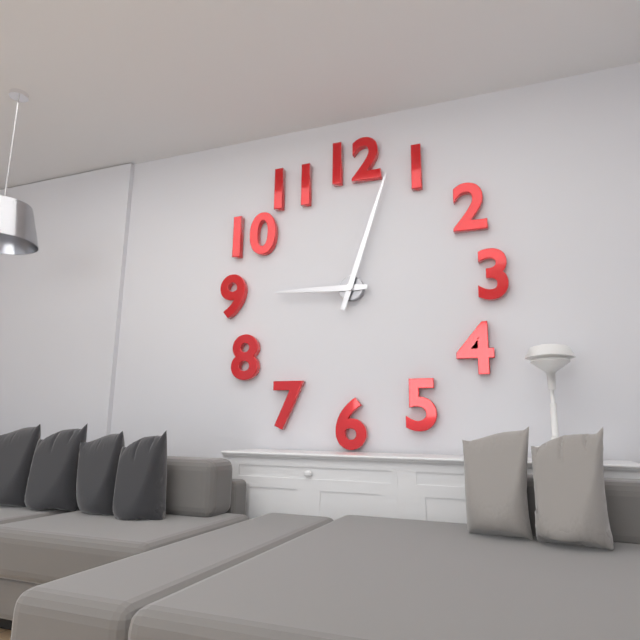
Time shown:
{"hour": 9, "minute": 3}
